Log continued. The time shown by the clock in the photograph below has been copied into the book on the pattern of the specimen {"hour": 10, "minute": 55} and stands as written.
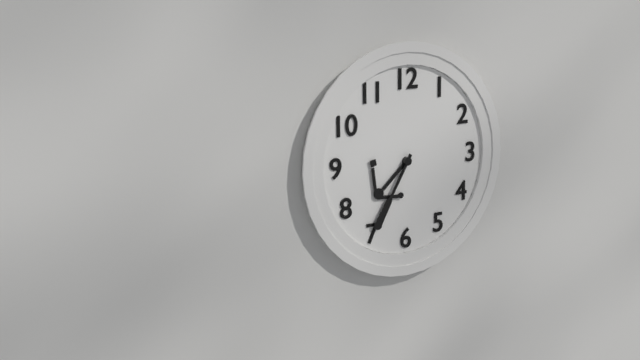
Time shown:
{"hour": 7, "minute": 35}
